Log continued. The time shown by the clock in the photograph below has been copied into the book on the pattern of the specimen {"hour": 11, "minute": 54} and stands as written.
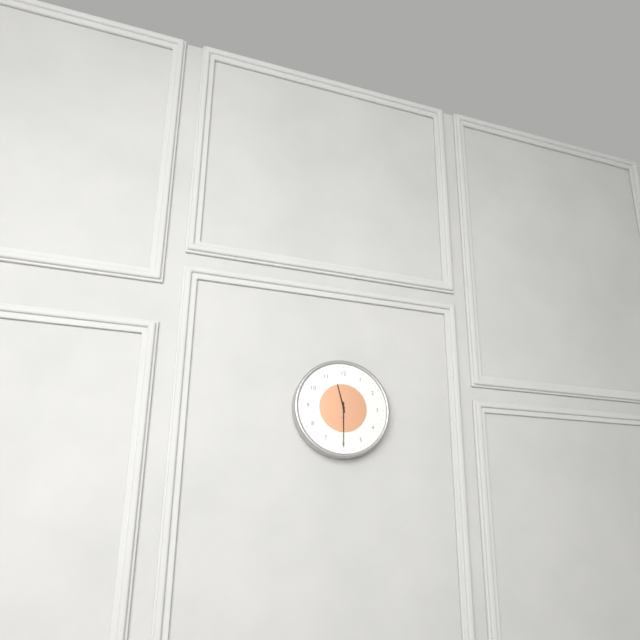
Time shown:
{"hour": 11, "minute": 30}
